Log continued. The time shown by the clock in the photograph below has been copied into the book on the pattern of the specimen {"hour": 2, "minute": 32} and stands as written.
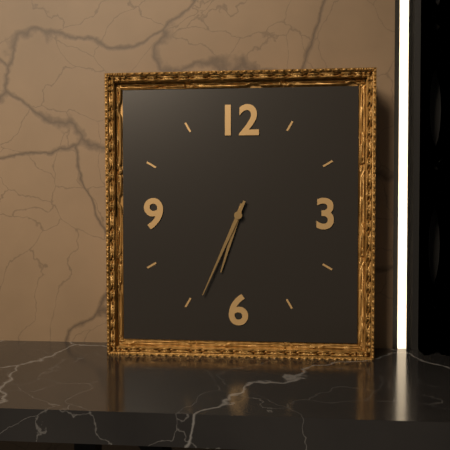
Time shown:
{"hour": 6, "minute": 34}
